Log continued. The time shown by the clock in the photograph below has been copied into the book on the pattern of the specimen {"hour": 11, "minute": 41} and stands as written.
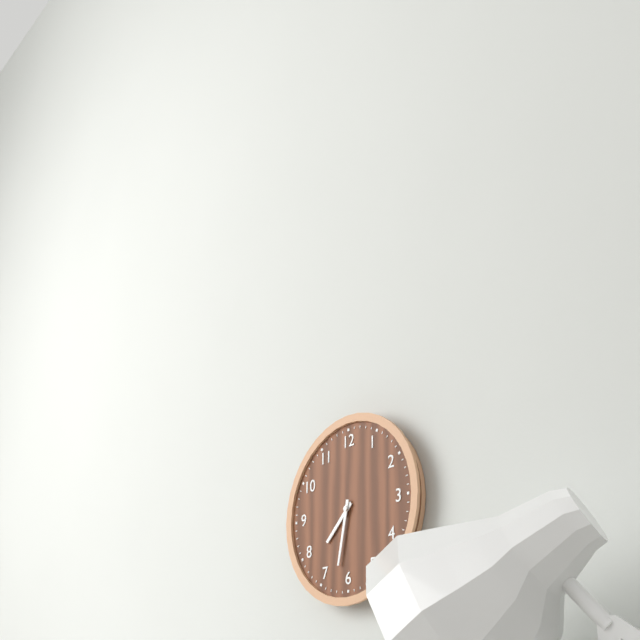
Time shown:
{"hour": 7, "minute": 32}
